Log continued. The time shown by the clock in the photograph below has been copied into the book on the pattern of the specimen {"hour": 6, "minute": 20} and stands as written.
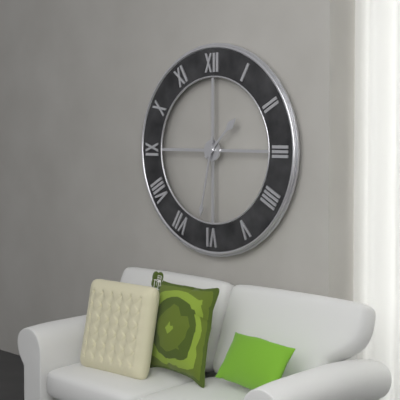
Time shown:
{"hour": 1, "minute": 32}
